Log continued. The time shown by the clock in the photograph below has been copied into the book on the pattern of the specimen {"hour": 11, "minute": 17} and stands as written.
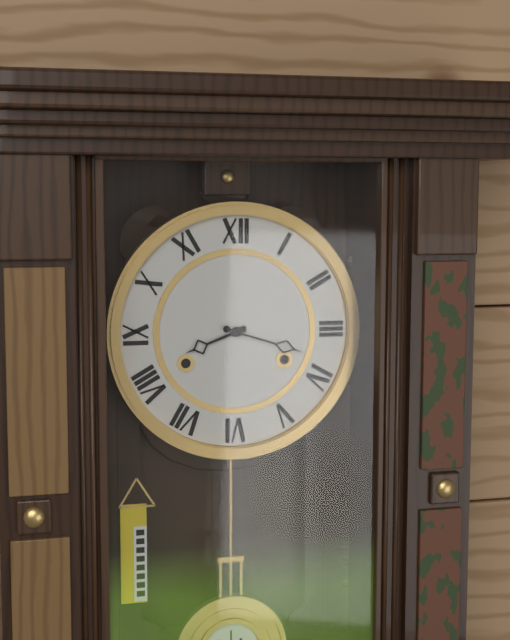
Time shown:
{"hour": 8, "minute": 18}
